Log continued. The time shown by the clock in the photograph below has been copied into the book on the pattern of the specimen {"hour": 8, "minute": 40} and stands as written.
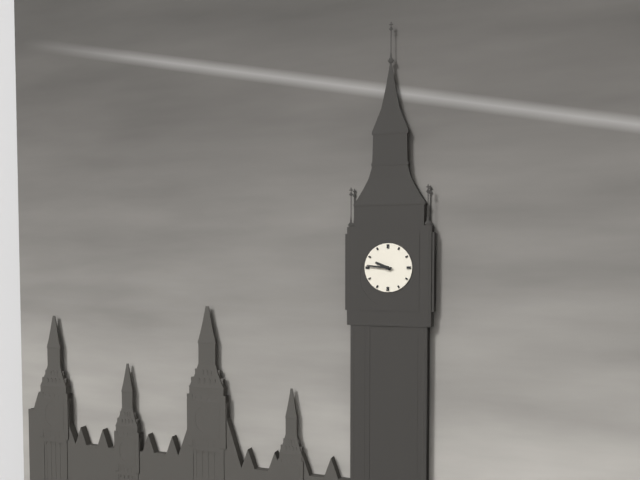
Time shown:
{"hour": 9, "minute": 46}
